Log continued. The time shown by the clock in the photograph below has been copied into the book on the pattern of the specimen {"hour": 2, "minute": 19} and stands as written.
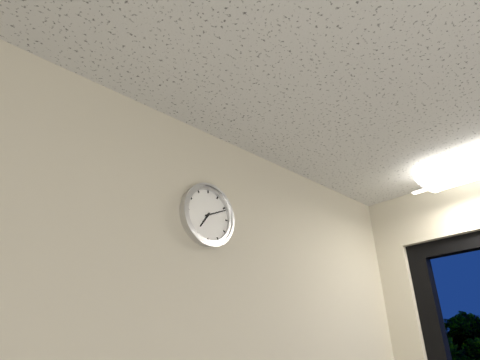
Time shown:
{"hour": 7, "minute": 11}
